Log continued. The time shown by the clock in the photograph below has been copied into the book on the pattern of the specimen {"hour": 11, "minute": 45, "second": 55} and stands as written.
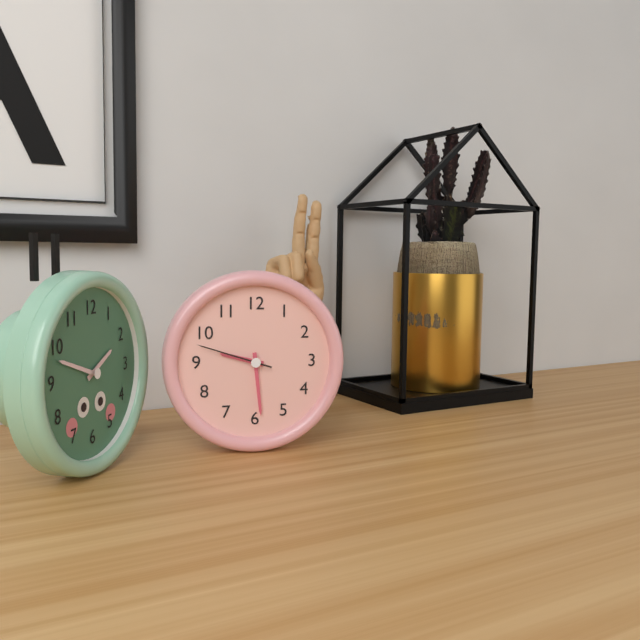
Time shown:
{"hour": 9, "minute": 29, "second": 48}
